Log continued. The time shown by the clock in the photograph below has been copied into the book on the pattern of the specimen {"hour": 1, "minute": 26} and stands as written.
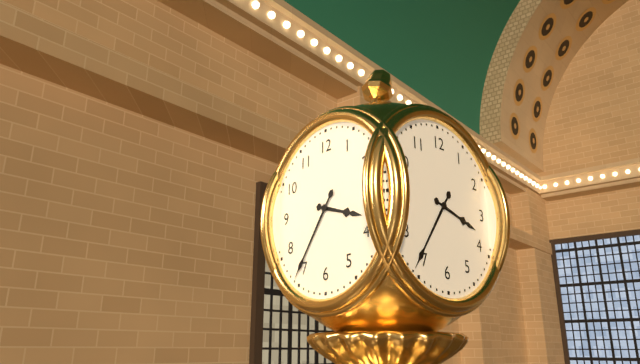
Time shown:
{"hour": 3, "minute": 36}
